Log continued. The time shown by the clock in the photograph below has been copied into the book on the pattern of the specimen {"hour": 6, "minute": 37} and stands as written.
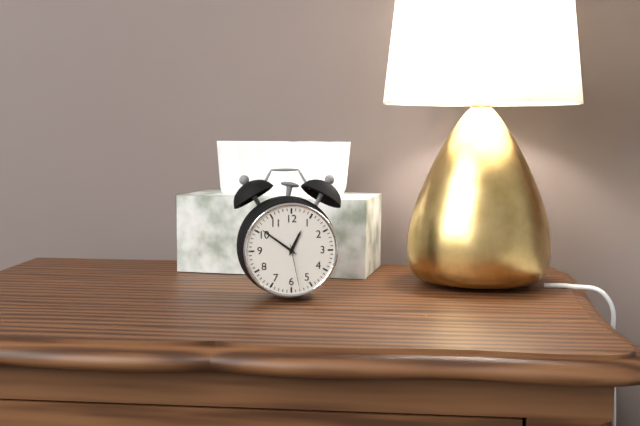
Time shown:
{"hour": 12, "minute": 51}
